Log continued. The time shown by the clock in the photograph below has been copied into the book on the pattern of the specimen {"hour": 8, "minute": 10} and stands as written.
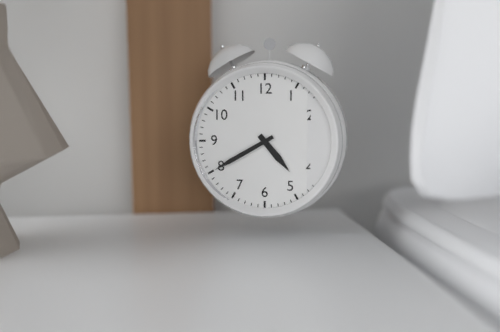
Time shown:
{"hour": 4, "minute": 40}
